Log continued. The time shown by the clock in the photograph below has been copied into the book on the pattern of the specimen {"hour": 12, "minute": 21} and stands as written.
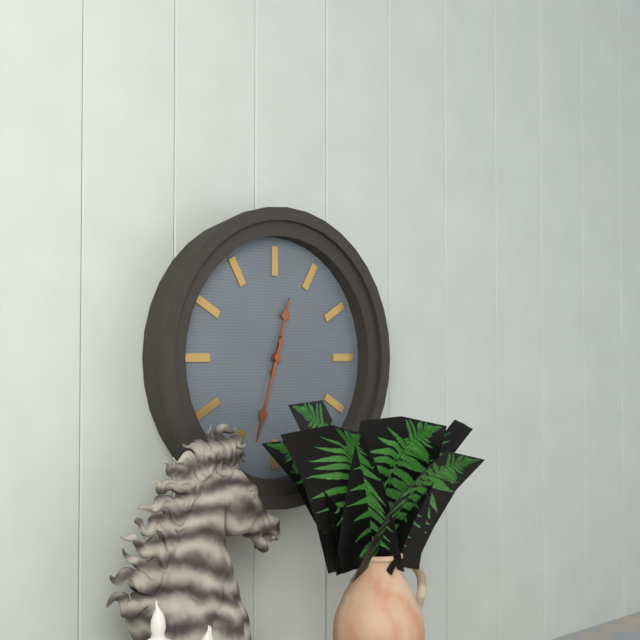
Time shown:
{"hour": 12, "minute": 33}
